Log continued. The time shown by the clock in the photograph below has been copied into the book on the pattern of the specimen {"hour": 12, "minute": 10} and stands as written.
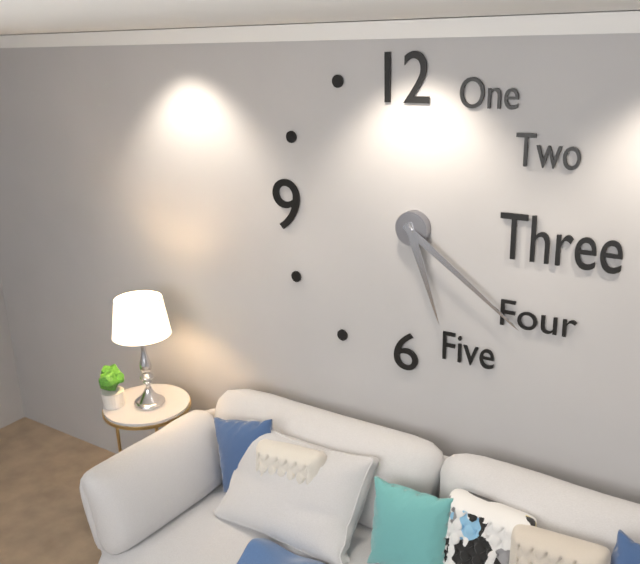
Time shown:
{"hour": 5, "minute": 21}
